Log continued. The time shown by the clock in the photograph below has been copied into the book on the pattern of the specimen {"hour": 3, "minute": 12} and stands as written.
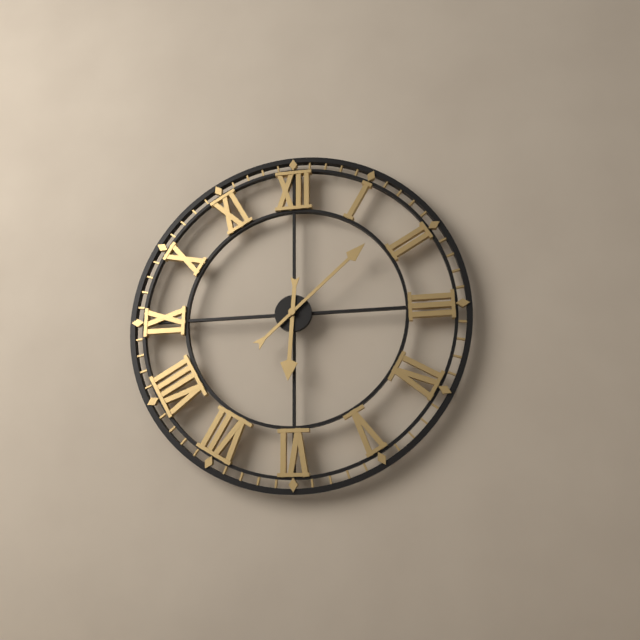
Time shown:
{"hour": 6, "minute": 8}
